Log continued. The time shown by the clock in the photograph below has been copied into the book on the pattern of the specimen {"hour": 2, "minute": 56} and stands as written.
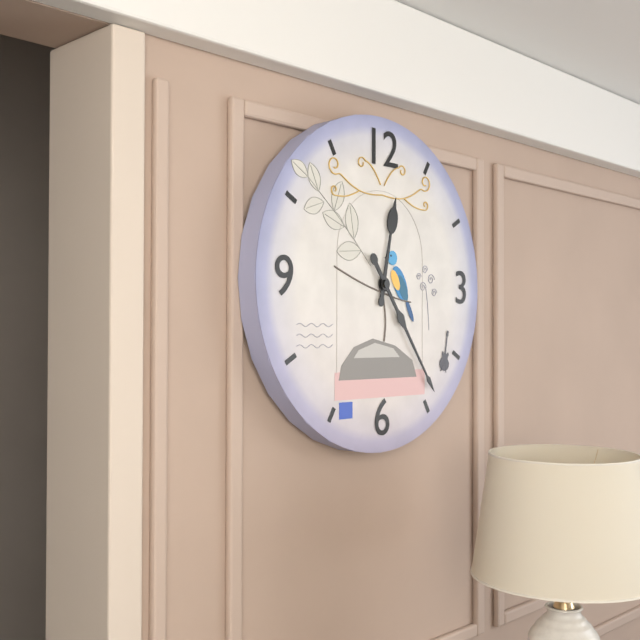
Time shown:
{"hour": 12, "minute": 24}
